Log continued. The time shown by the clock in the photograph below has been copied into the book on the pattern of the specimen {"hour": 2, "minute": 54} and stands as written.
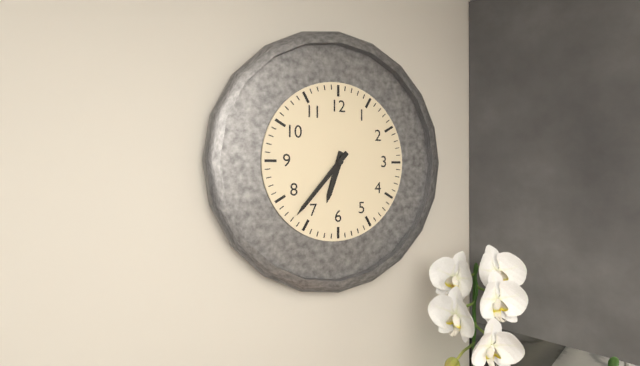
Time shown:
{"hour": 6, "minute": 37}
